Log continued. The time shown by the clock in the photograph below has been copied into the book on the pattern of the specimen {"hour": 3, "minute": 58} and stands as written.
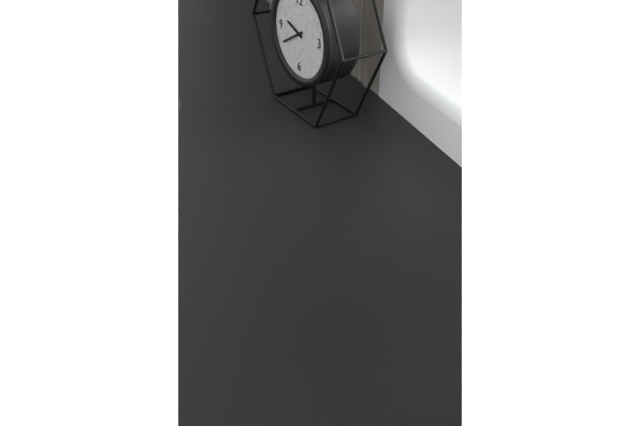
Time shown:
{"hour": 9, "minute": 40}
